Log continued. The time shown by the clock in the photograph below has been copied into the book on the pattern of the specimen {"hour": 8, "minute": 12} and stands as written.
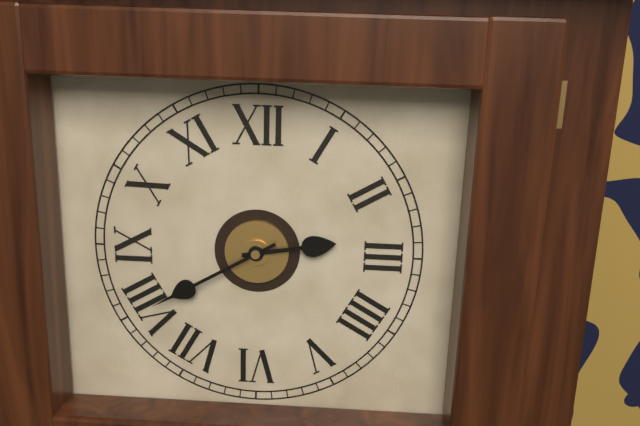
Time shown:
{"hour": 2, "minute": 40}
